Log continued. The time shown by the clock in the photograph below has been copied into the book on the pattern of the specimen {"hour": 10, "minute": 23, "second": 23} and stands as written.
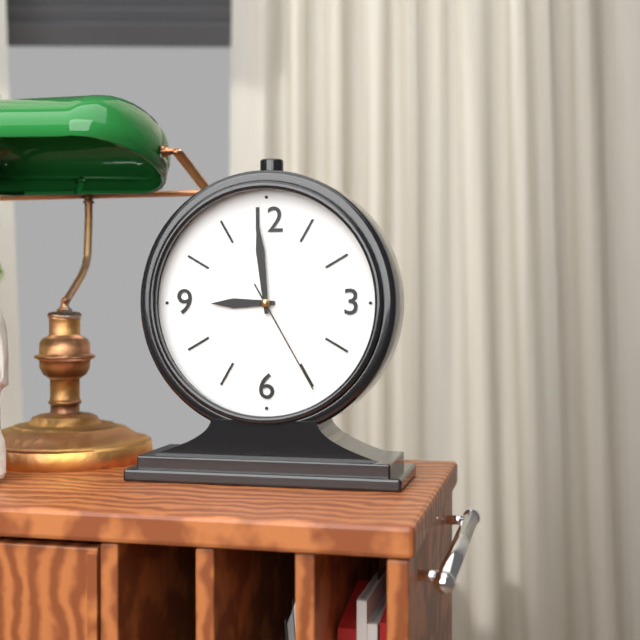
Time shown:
{"hour": 8, "minute": 59, "second": 25}
